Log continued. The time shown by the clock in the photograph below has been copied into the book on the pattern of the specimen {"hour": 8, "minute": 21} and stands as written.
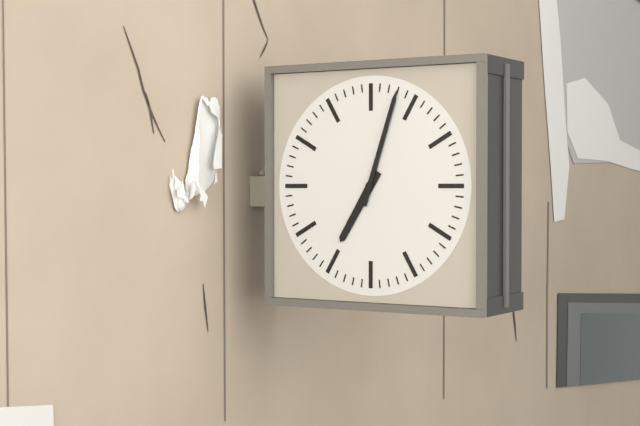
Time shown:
{"hour": 7, "minute": 3}
